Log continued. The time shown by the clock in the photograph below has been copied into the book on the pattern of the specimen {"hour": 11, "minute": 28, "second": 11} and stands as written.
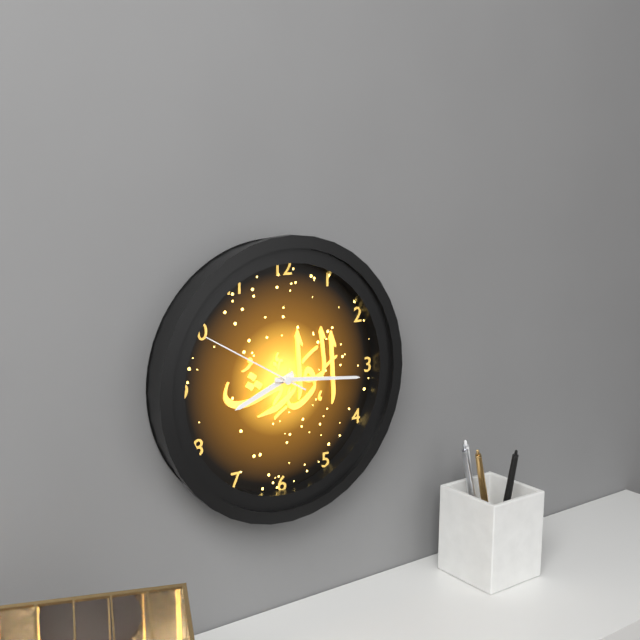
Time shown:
{"hour": 8, "minute": 16, "second": 50}
